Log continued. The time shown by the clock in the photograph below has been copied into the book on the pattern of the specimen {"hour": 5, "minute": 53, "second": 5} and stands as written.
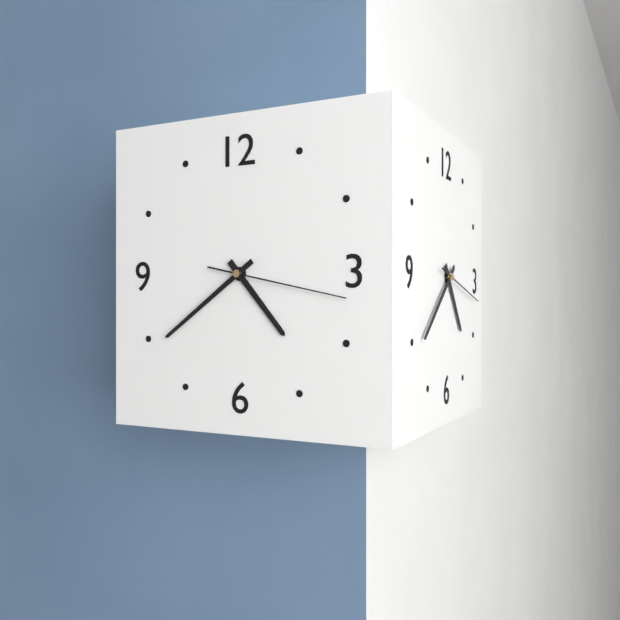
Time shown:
{"hour": 4, "minute": 39, "second": 17}
